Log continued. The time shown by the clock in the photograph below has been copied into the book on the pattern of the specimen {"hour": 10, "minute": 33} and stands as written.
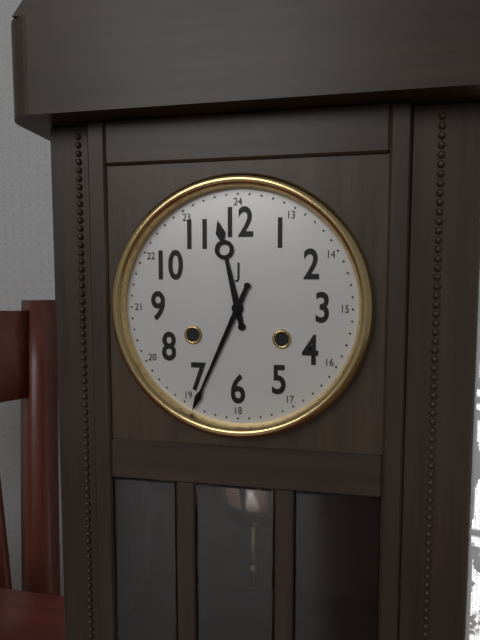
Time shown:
{"hour": 11, "minute": 34}
